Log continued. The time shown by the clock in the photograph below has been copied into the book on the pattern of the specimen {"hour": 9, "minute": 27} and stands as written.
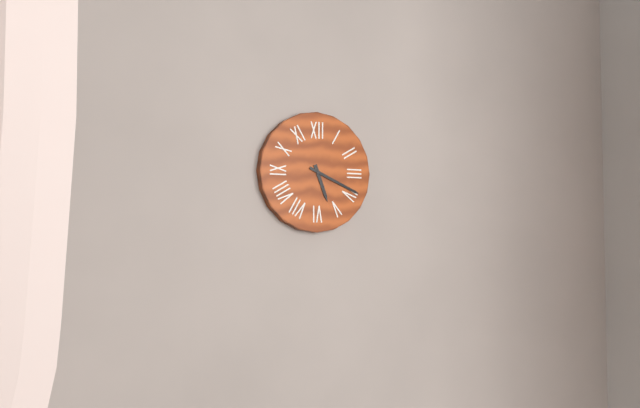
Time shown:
{"hour": 5, "minute": 19}
